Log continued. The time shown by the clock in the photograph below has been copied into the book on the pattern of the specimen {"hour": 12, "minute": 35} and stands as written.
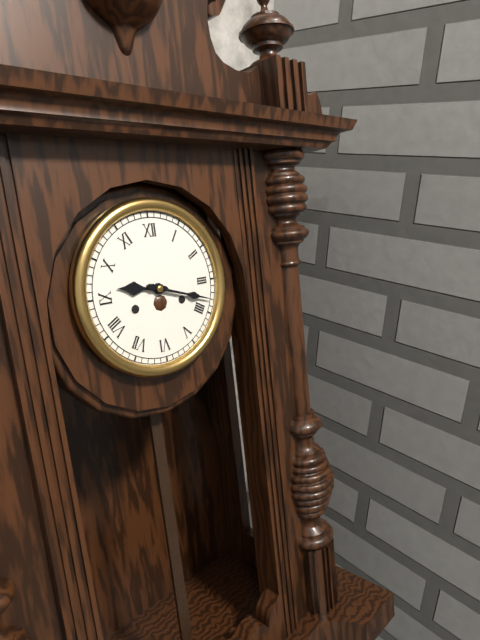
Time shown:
{"hour": 9, "minute": 18}
